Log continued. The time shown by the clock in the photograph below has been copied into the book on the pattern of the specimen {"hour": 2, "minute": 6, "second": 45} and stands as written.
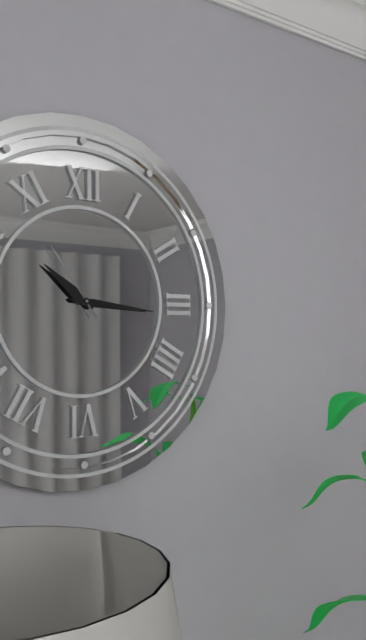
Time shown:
{"hour": 10, "minute": 16, "second": 54}
